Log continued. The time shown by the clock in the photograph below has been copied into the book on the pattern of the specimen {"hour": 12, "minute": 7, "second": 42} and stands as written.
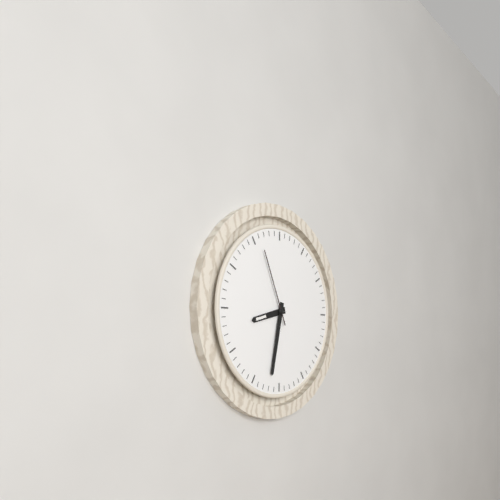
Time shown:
{"hour": 8, "minute": 32, "second": 56}
